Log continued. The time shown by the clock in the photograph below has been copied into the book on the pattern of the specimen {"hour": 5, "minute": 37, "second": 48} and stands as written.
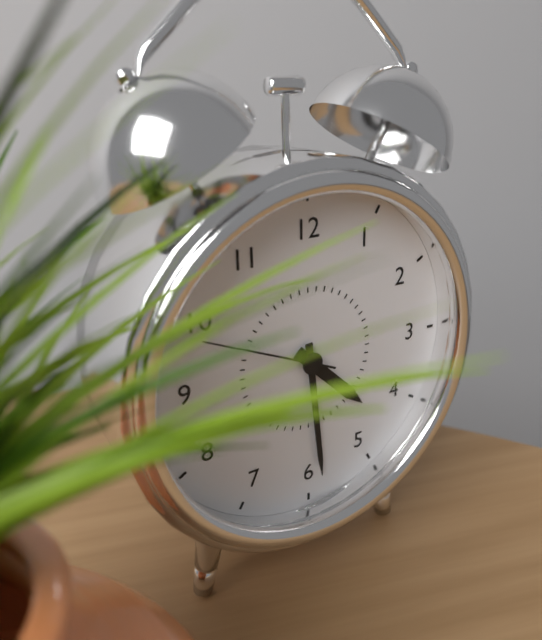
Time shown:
{"hour": 4, "minute": 29, "second": 49}
